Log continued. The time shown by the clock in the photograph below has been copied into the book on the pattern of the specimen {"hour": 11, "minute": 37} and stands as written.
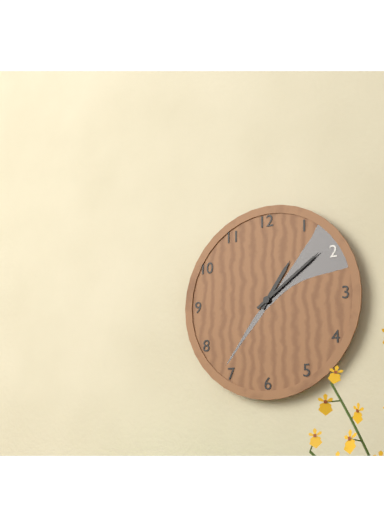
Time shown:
{"hour": 1, "minute": 9}
